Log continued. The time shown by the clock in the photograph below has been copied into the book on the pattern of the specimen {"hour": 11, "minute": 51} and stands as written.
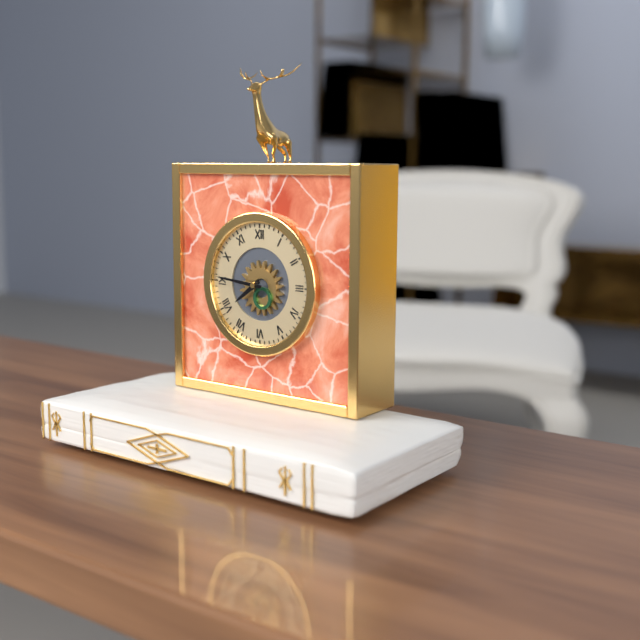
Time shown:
{"hour": 7, "minute": 46}
